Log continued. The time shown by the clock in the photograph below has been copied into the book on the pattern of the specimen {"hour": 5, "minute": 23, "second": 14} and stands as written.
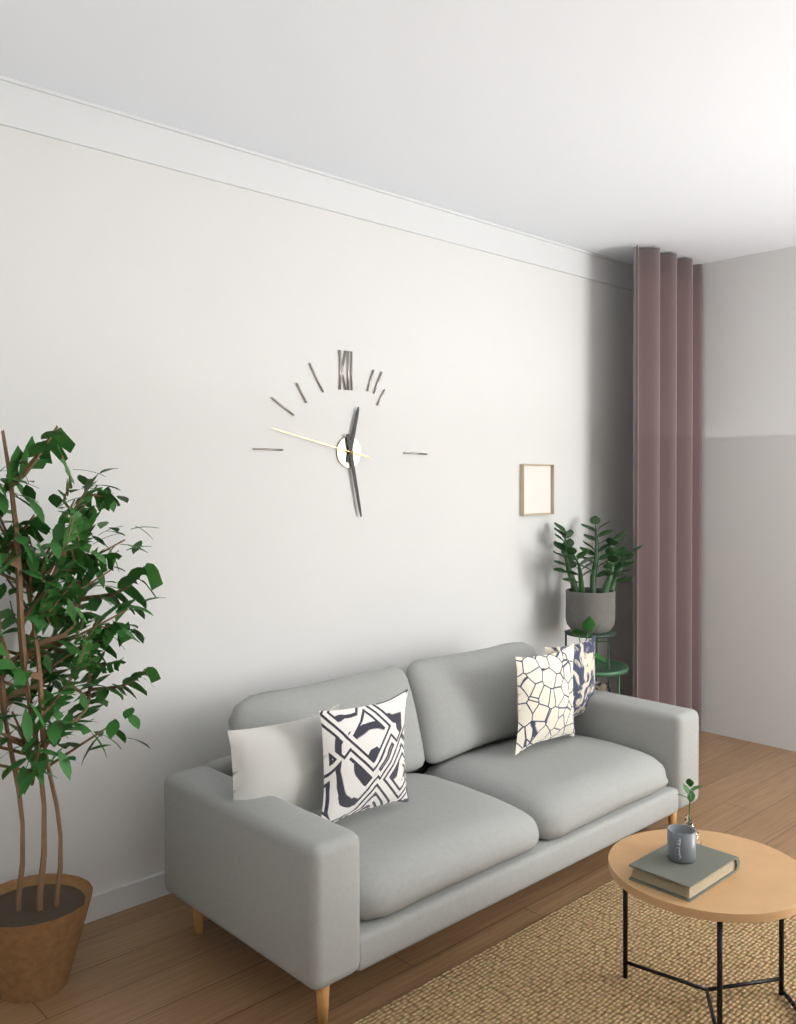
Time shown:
{"hour": 12, "minute": 28, "second": 47}
